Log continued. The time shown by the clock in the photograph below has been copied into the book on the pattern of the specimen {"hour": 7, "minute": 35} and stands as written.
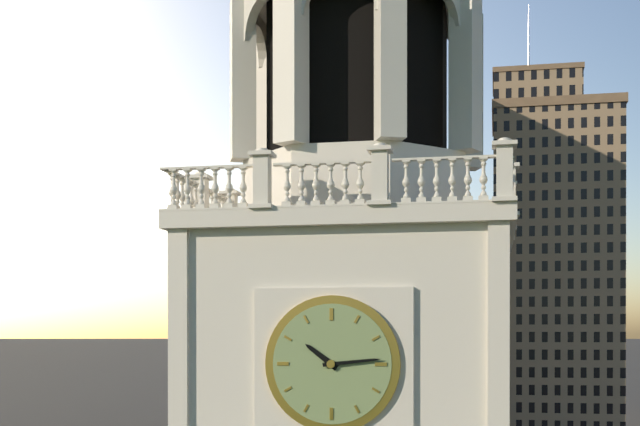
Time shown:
{"hour": 10, "minute": 14}
